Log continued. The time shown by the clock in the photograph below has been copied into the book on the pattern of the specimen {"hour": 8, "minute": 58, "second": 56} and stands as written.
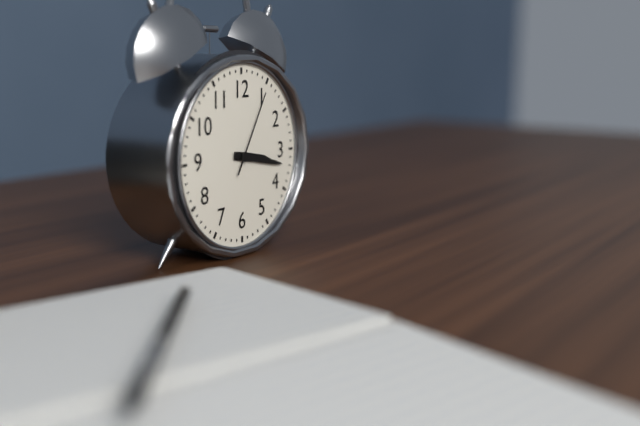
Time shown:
{"hour": 3, "minute": 17, "second": 5}
